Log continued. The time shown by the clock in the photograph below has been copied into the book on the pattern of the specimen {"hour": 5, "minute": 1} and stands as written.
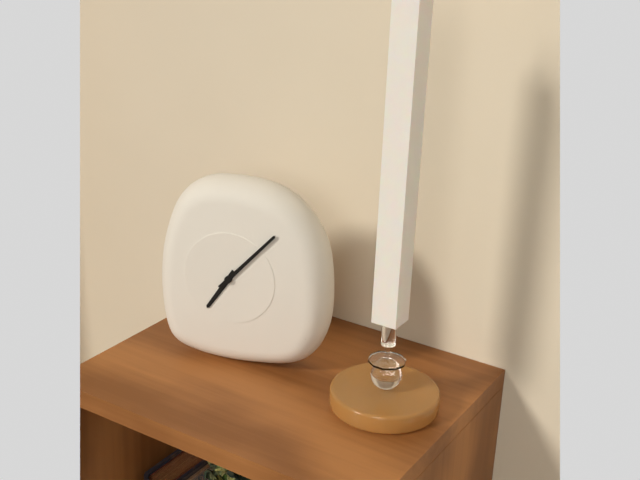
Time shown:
{"hour": 7, "minute": 7}
